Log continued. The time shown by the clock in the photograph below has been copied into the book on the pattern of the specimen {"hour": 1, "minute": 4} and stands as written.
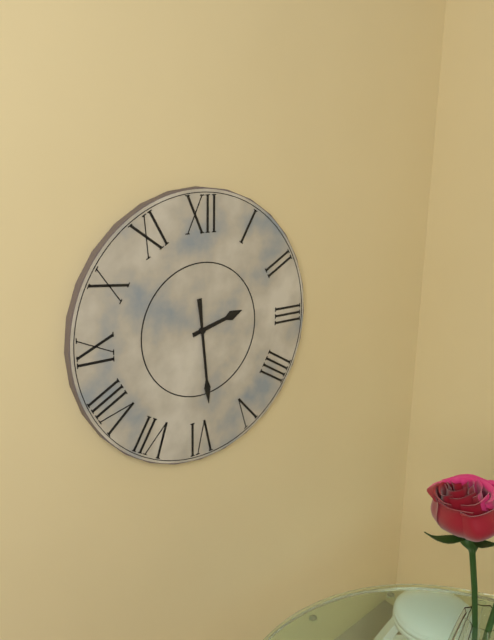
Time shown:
{"hour": 2, "minute": 29}
